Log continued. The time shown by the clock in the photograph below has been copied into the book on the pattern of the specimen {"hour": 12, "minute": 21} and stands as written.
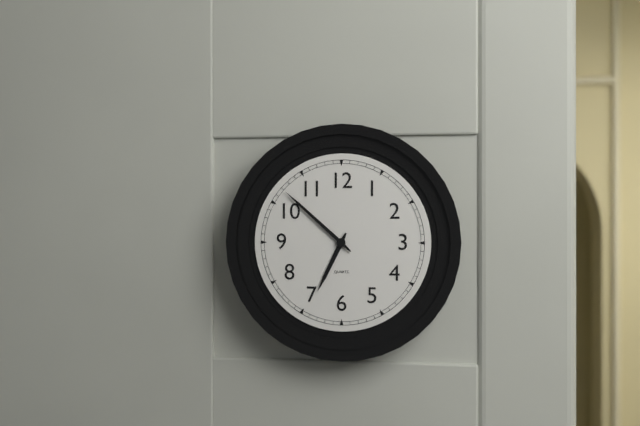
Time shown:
{"hour": 6, "minute": 52}
